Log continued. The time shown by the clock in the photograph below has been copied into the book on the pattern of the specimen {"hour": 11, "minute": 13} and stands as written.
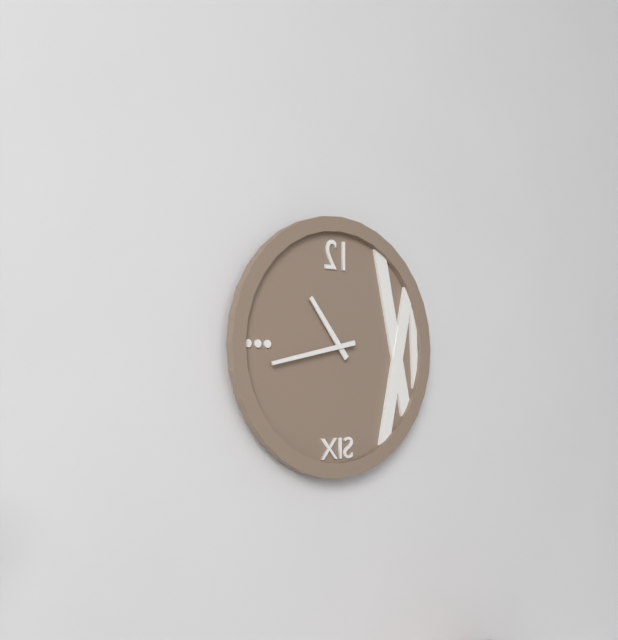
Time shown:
{"hour": 10, "minute": 43}
